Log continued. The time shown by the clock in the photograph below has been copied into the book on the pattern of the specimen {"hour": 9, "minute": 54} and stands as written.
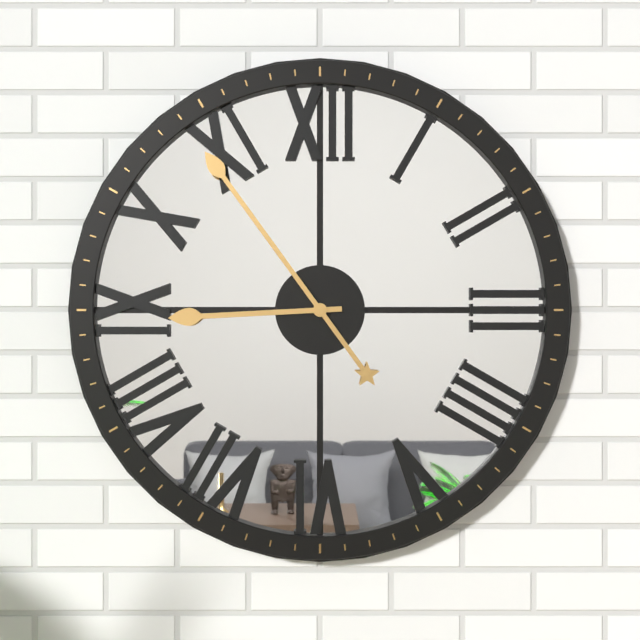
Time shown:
{"hour": 8, "minute": 54}
